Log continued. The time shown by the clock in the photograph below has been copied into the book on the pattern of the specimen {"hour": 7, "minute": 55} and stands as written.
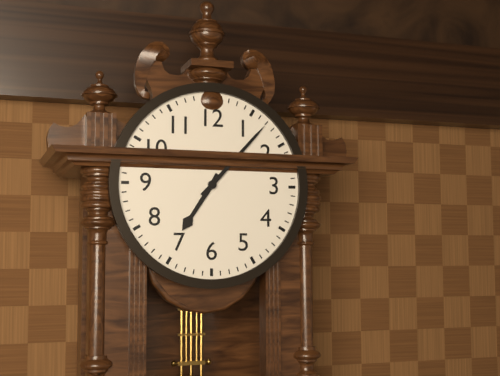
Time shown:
{"hour": 7, "minute": 7}
